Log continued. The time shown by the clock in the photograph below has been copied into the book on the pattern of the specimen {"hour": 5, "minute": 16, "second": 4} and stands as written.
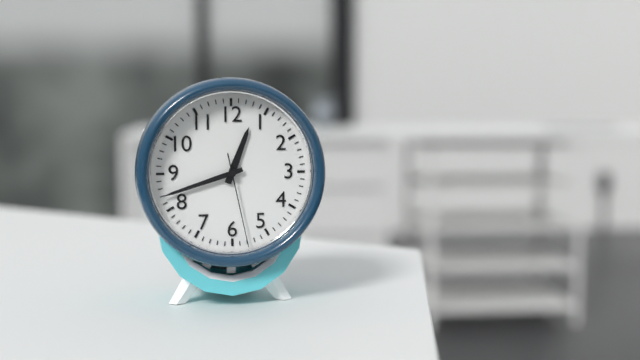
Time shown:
{"hour": 12, "minute": 42, "second": 28}
